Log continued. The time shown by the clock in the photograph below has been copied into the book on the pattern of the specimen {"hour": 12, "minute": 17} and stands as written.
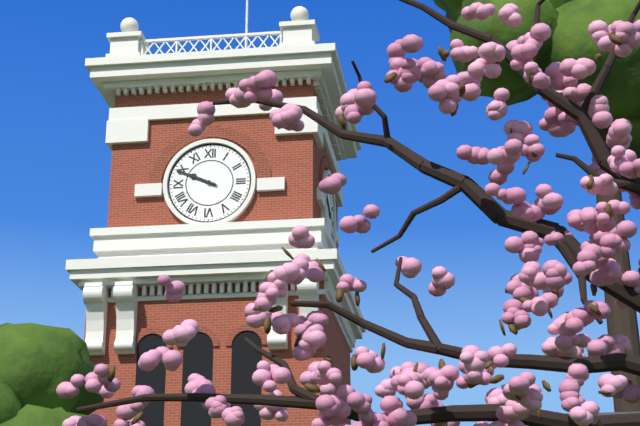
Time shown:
{"hour": 9, "minute": 49}
